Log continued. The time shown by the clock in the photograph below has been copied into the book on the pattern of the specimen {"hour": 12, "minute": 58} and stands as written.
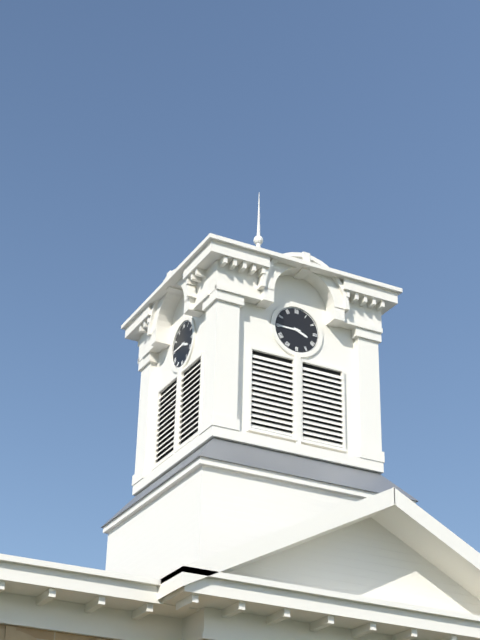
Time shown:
{"hour": 3, "minute": 45}
